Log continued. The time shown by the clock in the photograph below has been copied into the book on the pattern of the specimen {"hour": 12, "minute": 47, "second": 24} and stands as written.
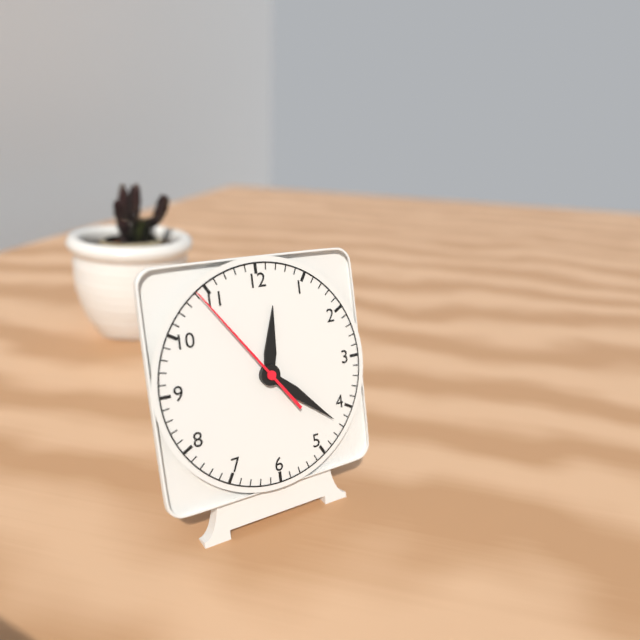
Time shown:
{"hour": 12, "minute": 22, "second": 54}
